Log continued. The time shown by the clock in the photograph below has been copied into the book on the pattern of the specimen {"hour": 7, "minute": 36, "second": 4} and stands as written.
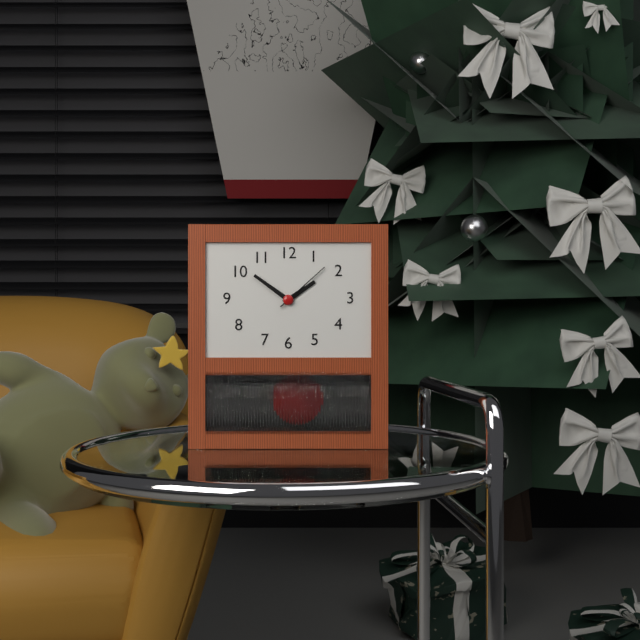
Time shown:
{"hour": 1, "minute": 51, "second": 8}
